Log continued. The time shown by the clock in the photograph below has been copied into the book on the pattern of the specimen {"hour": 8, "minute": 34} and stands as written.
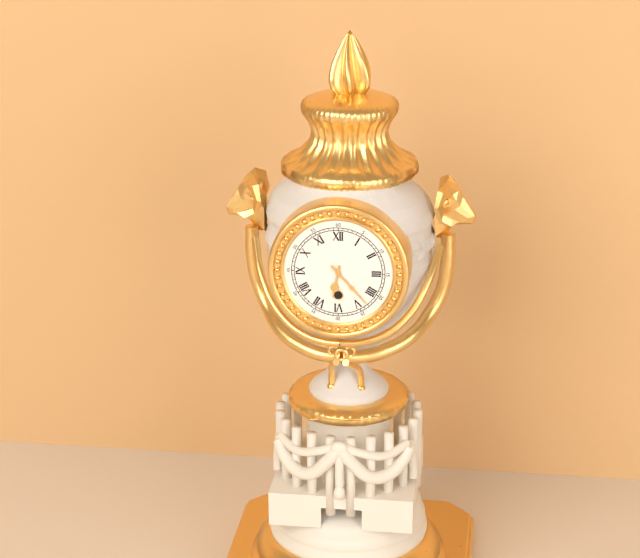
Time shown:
{"hour": 6, "minute": 23}
